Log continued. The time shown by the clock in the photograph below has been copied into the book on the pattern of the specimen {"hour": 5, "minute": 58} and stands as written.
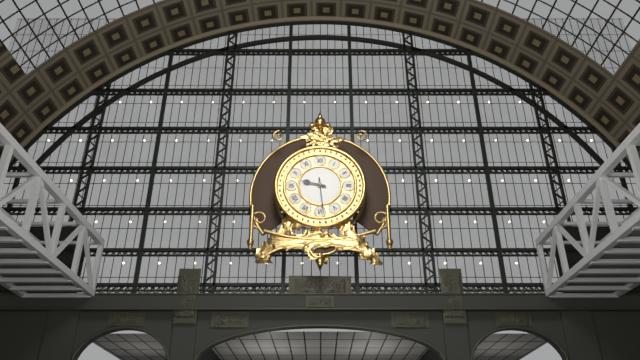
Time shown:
{"hour": 9, "minute": 29}
